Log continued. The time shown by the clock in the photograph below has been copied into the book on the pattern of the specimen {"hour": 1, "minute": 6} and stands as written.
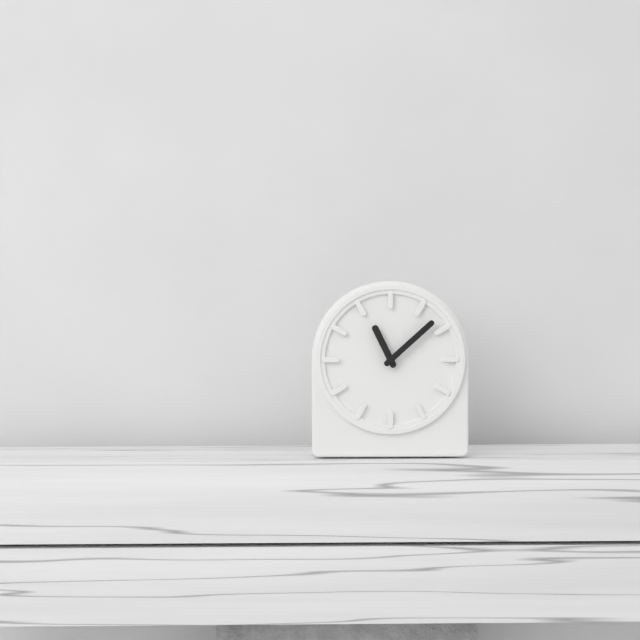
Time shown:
{"hour": 11, "minute": 8}
